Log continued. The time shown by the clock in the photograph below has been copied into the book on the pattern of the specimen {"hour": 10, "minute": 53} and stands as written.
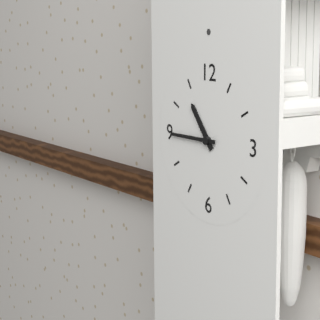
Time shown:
{"hour": 10, "minute": 45}
